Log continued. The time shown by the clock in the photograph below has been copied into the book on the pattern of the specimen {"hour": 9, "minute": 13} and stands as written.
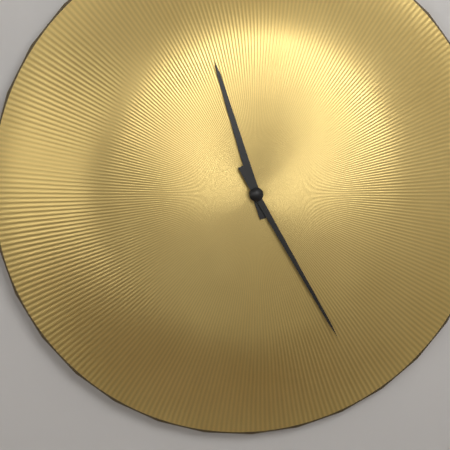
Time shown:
{"hour": 11, "minute": 25}
